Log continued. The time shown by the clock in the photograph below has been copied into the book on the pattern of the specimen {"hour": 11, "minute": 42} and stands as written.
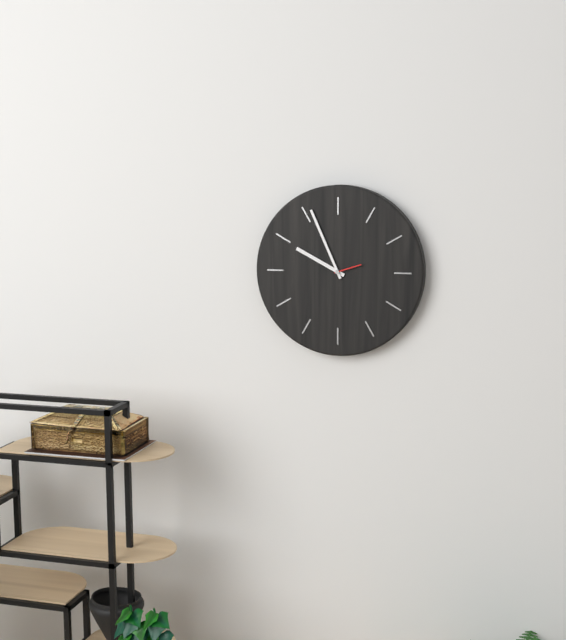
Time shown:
{"hour": 9, "minute": 56}
